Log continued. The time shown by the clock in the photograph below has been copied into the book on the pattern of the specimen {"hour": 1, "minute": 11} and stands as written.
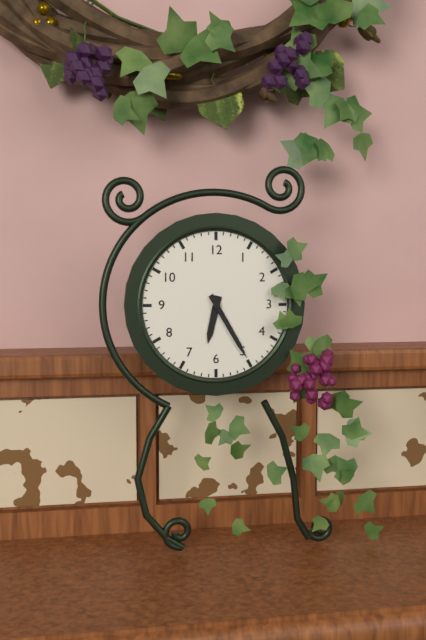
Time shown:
{"hour": 6, "minute": 25}
